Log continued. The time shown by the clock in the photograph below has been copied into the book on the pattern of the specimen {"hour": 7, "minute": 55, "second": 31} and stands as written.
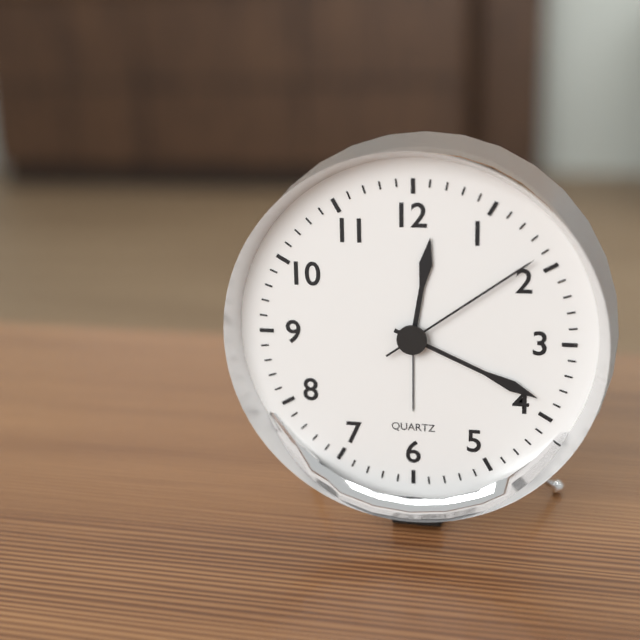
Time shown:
{"hour": 12, "minute": 19, "second": 9}
